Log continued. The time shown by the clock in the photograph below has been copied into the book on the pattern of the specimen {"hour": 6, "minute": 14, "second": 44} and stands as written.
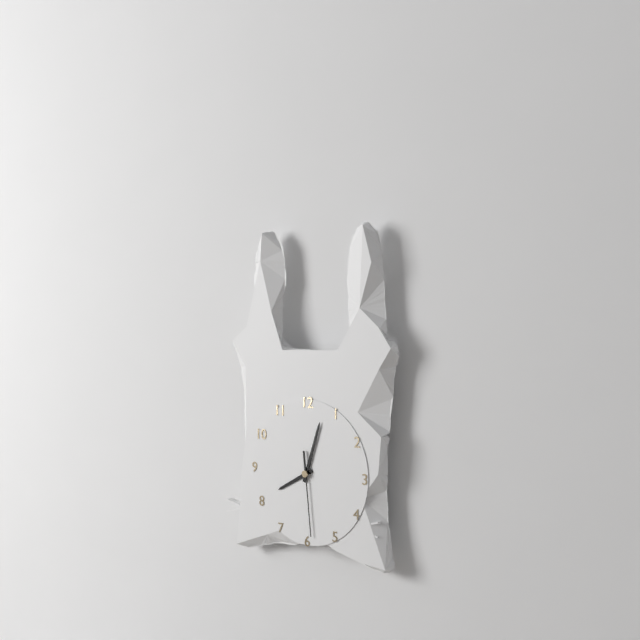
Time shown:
{"hour": 8, "minute": 3, "second": 29}
